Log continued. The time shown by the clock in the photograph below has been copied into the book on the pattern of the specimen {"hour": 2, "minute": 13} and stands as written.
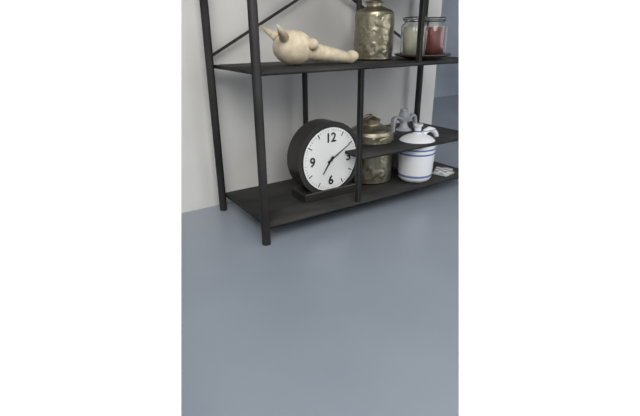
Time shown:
{"hour": 7, "minute": 10}
